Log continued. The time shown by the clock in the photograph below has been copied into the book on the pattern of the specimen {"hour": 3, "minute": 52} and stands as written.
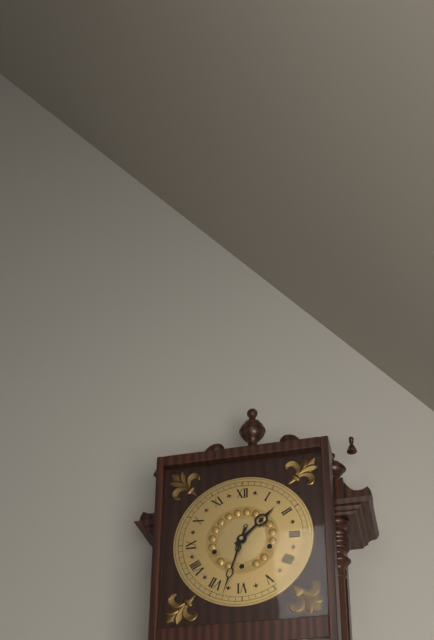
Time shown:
{"hour": 1, "minute": 33}
